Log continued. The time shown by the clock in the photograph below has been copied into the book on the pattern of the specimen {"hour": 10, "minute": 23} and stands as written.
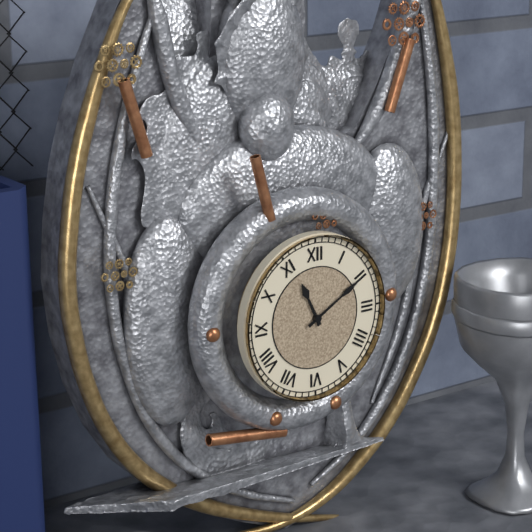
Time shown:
{"hour": 11, "minute": 10}
